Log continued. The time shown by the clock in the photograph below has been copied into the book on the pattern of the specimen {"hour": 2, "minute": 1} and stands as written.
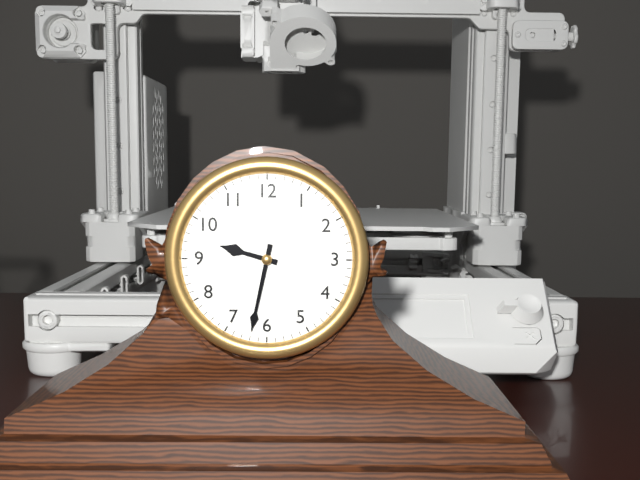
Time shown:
{"hour": 9, "minute": 32}
